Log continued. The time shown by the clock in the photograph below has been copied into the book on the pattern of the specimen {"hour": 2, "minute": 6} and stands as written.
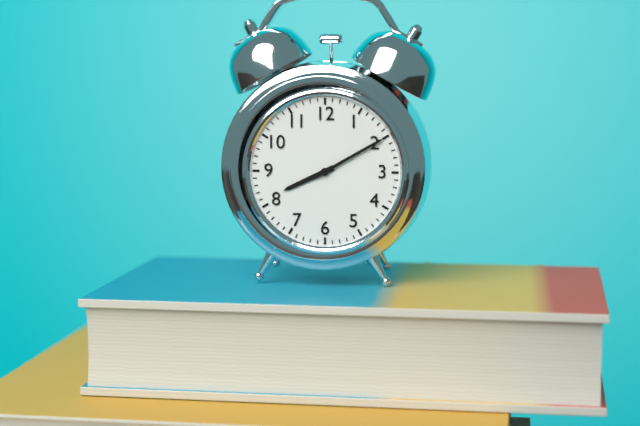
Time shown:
{"hour": 8, "minute": 10}
